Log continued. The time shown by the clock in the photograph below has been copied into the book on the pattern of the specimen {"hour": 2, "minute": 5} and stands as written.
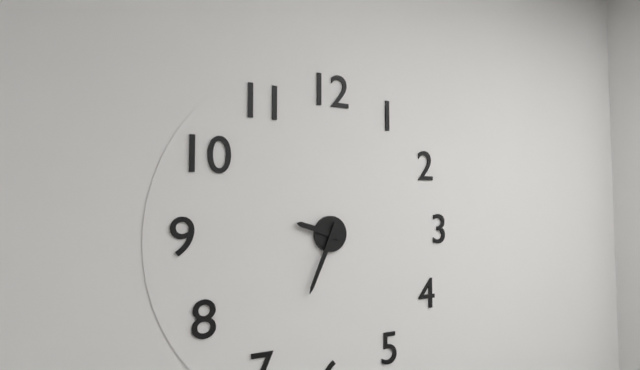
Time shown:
{"hour": 9, "minute": 34}
